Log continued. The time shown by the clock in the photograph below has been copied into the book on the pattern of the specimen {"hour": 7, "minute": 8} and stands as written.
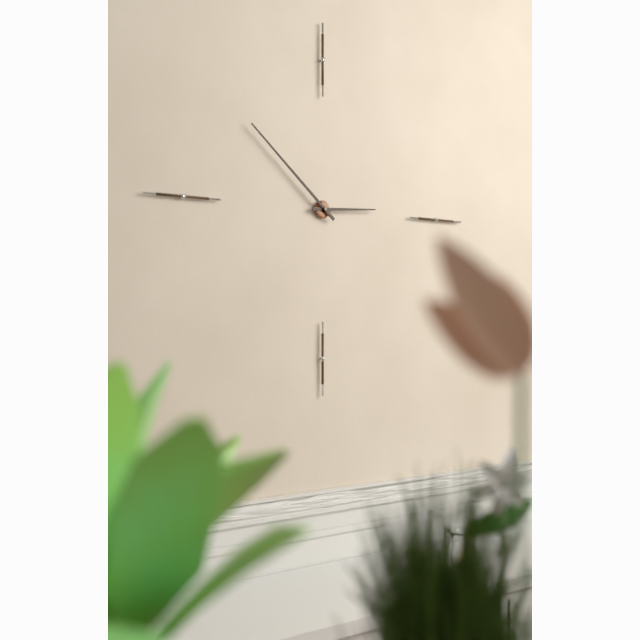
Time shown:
{"hour": 2, "minute": 52}
